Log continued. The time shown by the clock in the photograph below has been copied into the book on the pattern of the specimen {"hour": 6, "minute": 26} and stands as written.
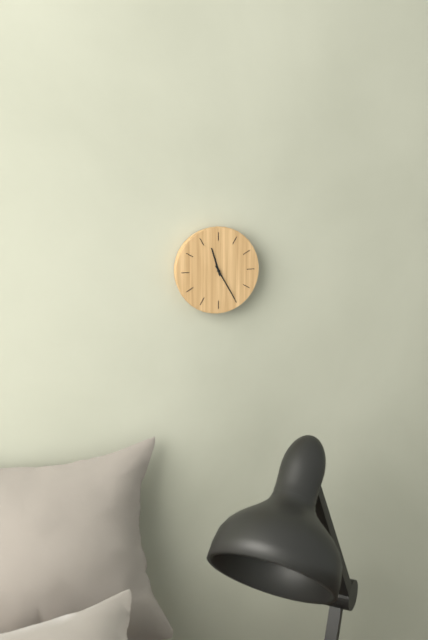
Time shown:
{"hour": 11, "minute": 25}
